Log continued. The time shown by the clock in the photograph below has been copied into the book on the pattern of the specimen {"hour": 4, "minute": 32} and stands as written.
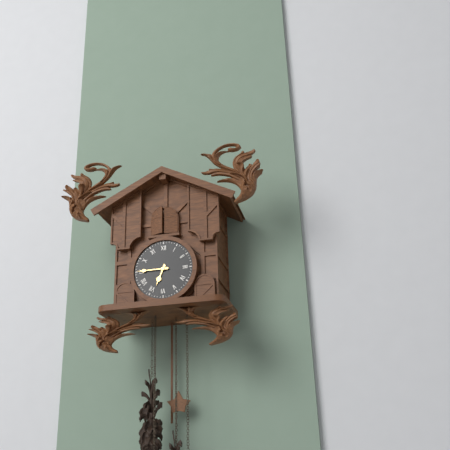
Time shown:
{"hour": 6, "minute": 45}
